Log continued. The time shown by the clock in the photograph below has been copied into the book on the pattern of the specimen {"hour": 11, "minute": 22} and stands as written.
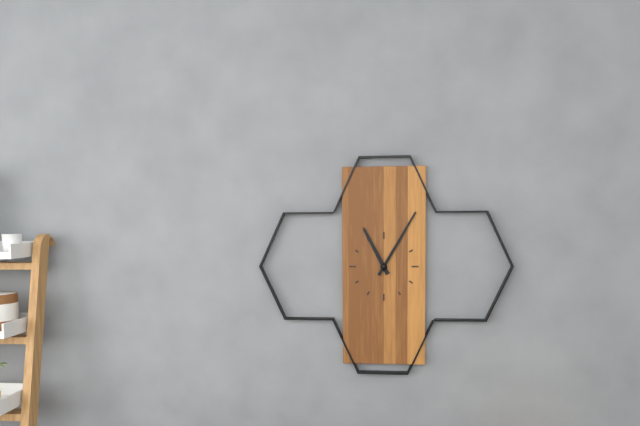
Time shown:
{"hour": 11, "minute": 5}
